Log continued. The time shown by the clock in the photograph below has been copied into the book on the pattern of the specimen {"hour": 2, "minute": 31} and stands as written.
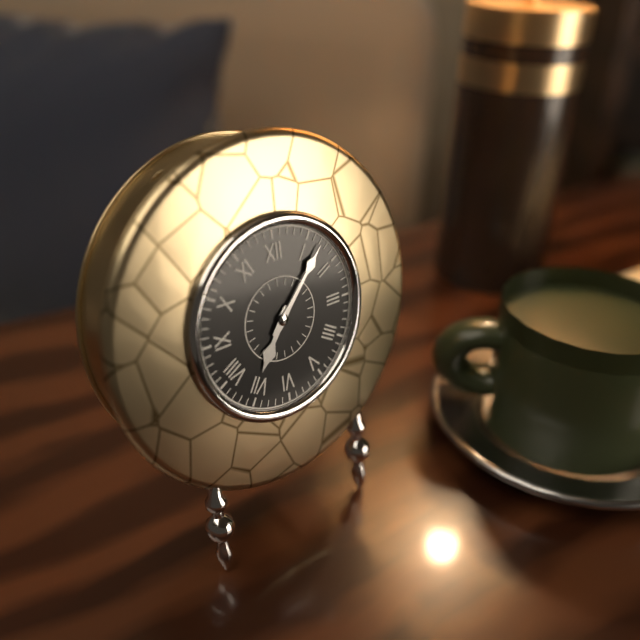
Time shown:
{"hour": 7, "minute": 7}
